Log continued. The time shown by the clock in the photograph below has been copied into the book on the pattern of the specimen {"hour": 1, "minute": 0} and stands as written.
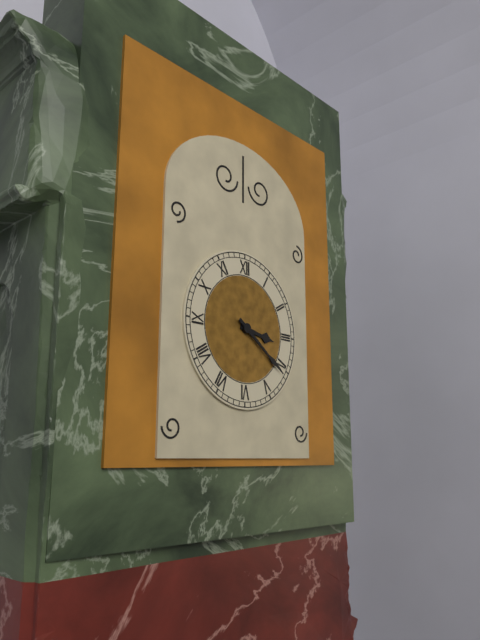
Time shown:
{"hour": 3, "minute": 21}
